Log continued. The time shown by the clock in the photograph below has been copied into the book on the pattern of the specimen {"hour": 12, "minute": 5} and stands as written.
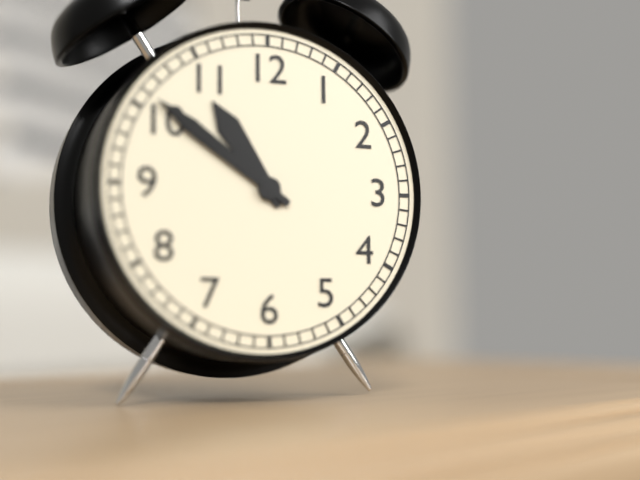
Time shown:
{"hour": 10, "minute": 51}
